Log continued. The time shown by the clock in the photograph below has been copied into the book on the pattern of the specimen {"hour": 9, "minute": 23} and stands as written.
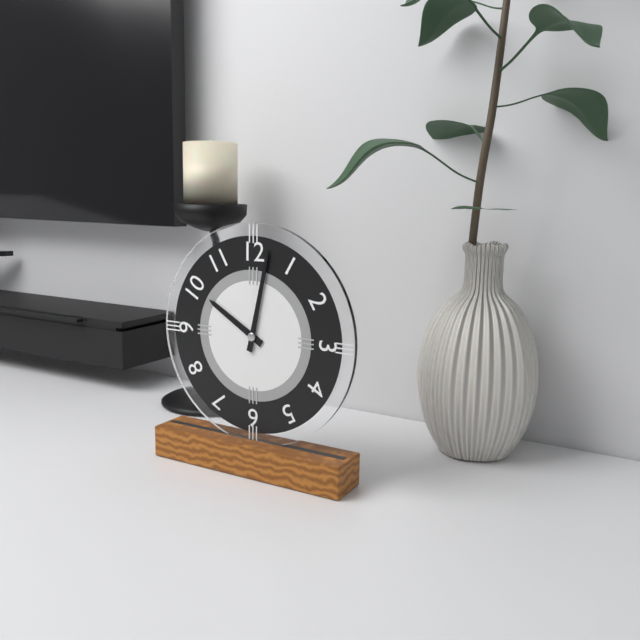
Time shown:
{"hour": 10, "minute": 2}
